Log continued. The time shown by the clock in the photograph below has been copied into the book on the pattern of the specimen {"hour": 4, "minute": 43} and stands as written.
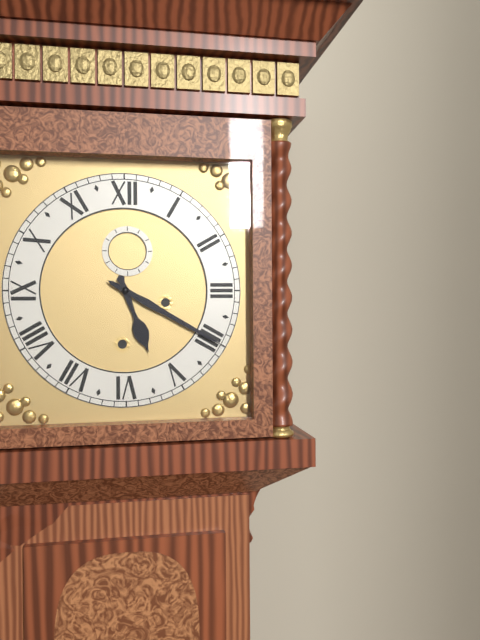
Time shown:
{"hour": 5, "minute": 20}
